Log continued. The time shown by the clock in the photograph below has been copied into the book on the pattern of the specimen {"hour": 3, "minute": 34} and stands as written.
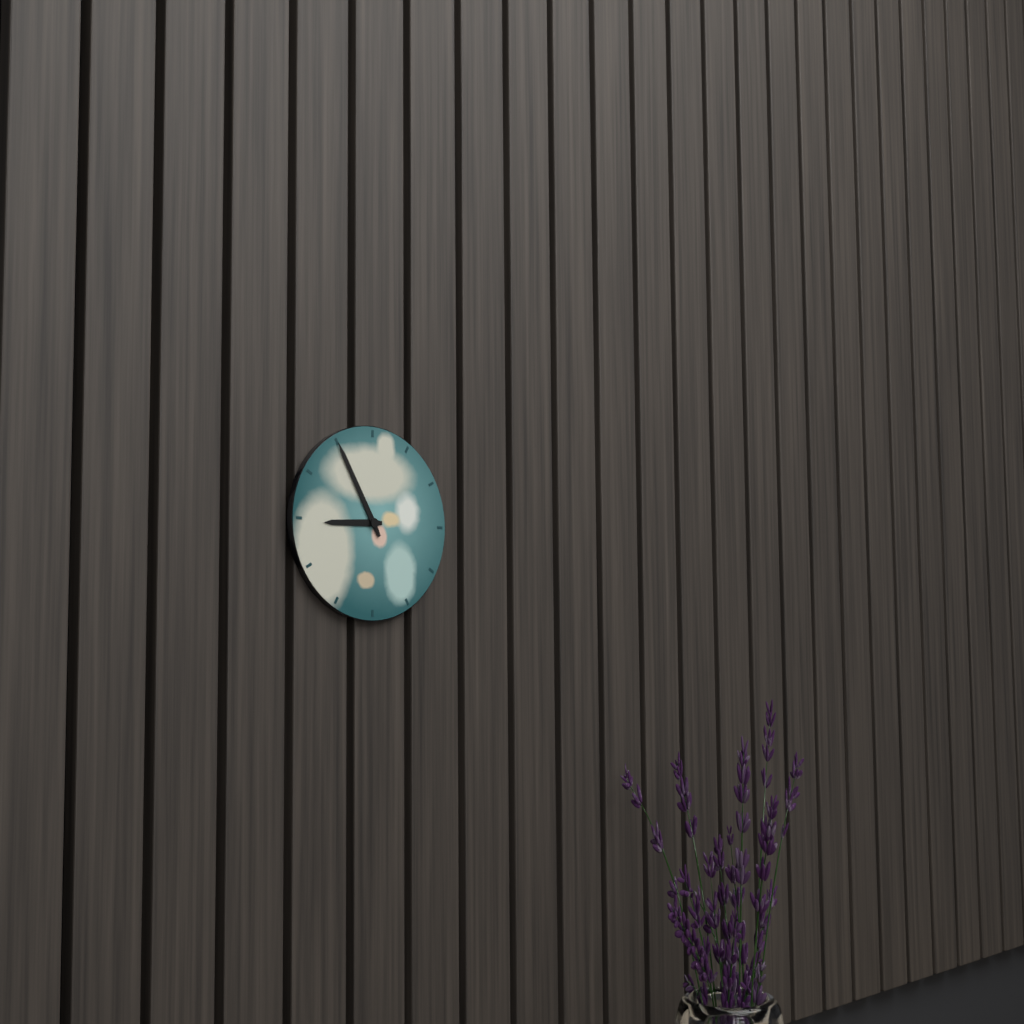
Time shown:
{"hour": 8, "minute": 55}
